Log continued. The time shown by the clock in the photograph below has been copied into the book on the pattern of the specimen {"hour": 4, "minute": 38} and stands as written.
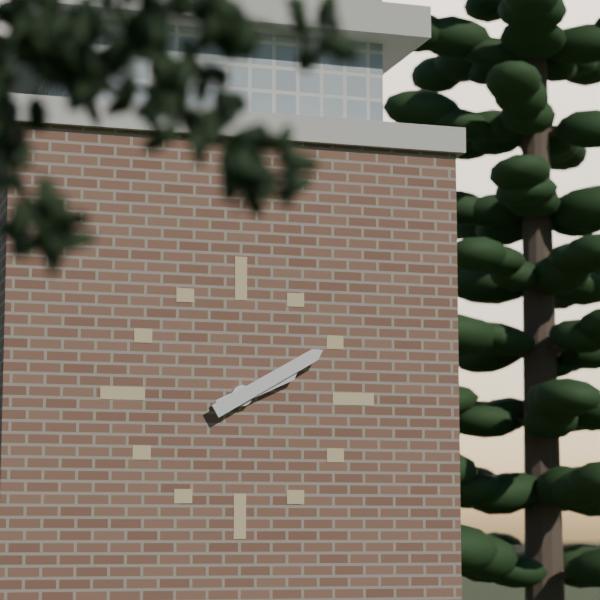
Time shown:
{"hour": 2, "minute": 10}
